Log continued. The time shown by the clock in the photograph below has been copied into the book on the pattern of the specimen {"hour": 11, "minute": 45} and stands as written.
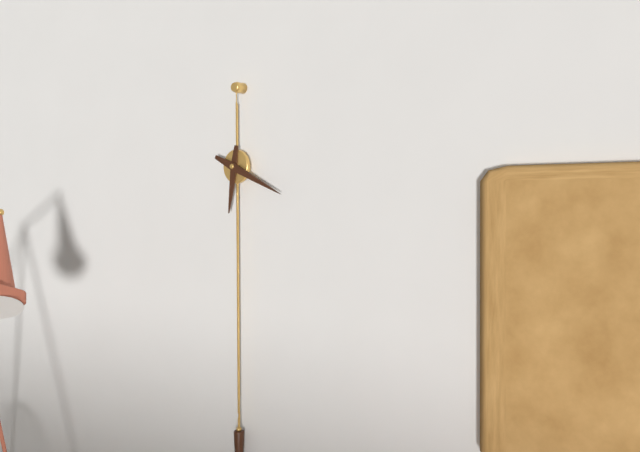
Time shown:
{"hour": 6, "minute": 19}
